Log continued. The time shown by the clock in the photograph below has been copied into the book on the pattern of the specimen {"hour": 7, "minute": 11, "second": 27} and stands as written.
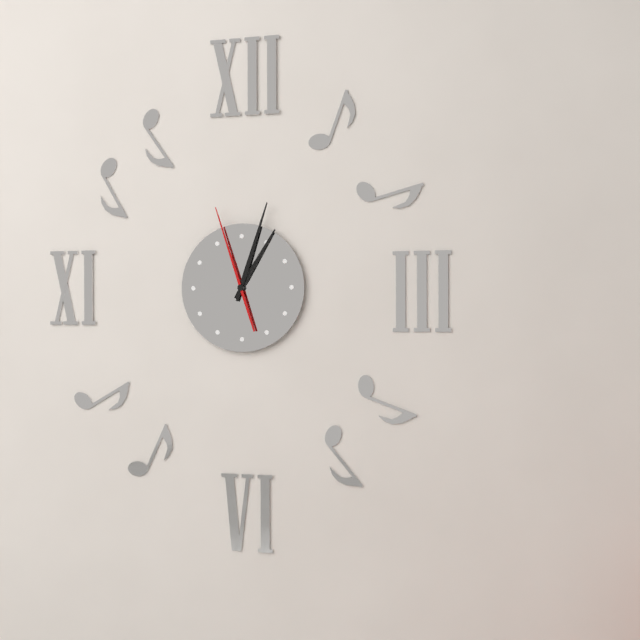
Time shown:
{"hour": 1, "minute": 3, "second": 57}
